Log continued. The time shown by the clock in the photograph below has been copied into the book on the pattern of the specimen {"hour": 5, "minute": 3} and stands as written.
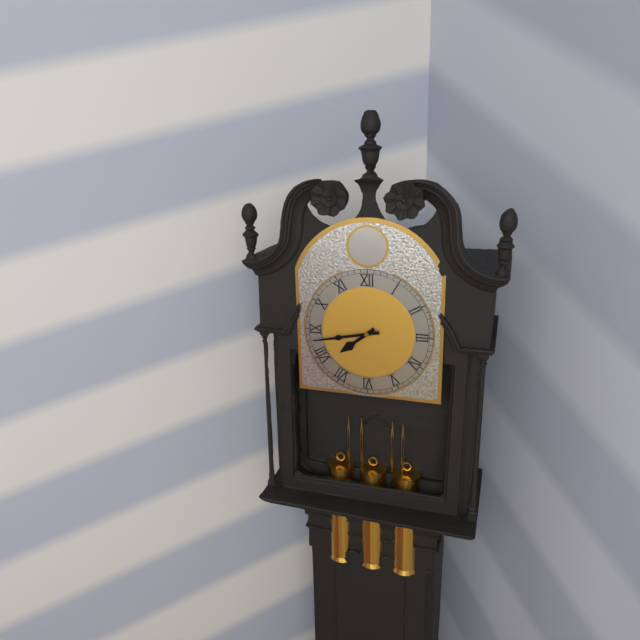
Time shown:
{"hour": 7, "minute": 43}
